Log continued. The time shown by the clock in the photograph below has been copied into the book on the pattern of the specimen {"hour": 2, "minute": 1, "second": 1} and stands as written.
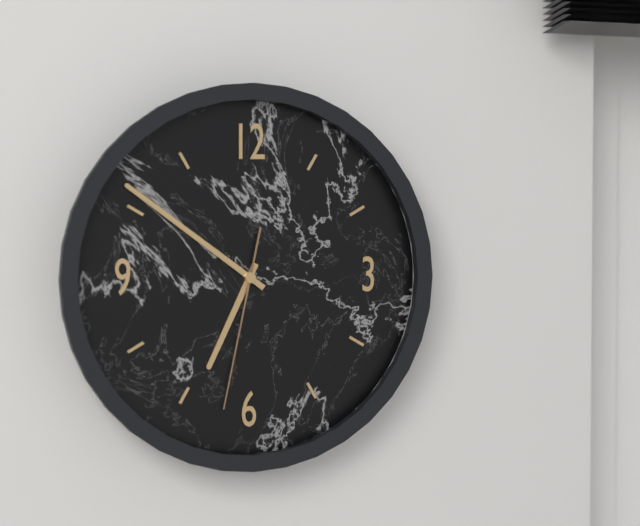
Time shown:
{"hour": 6, "minute": 51, "second": 32}
